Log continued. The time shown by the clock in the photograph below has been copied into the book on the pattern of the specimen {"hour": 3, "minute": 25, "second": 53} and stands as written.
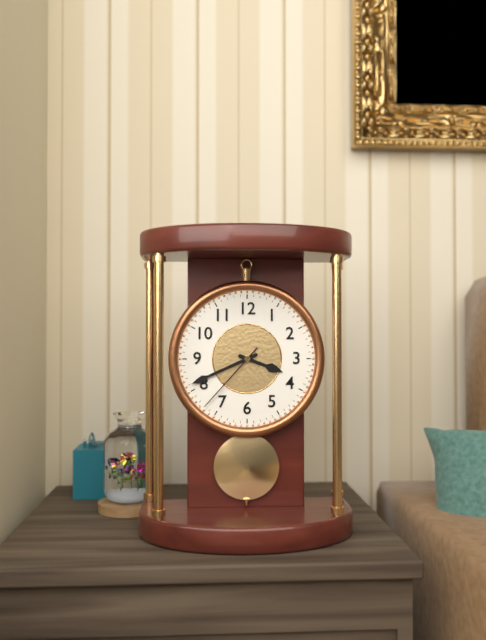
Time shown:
{"hour": 3, "minute": 41, "second": 37}
